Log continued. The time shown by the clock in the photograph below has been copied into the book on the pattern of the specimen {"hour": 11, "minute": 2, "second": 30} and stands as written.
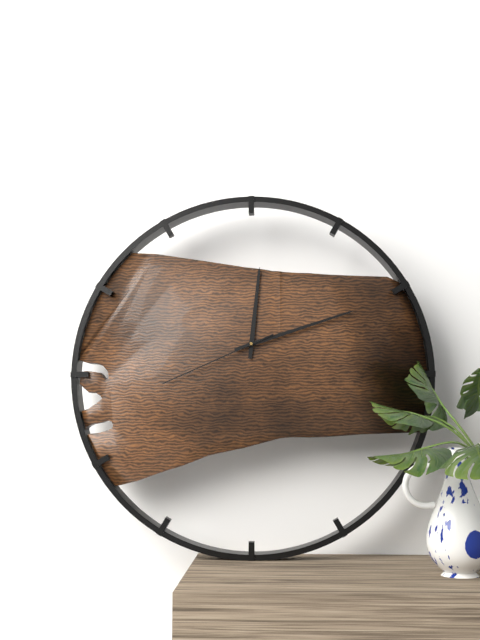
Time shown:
{"hour": 12, "minute": 12, "second": 41}
